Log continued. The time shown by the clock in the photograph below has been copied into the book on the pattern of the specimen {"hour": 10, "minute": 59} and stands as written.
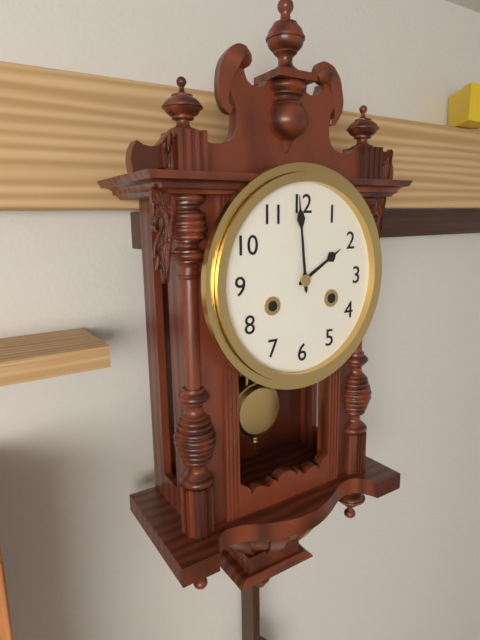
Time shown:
{"hour": 1, "minute": 59}
